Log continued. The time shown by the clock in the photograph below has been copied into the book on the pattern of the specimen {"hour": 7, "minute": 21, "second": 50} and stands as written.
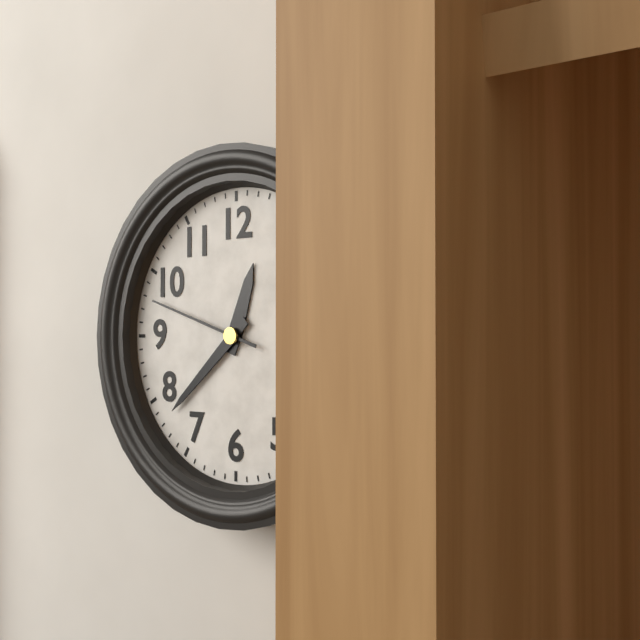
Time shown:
{"hour": 12, "minute": 38, "second": 48}
